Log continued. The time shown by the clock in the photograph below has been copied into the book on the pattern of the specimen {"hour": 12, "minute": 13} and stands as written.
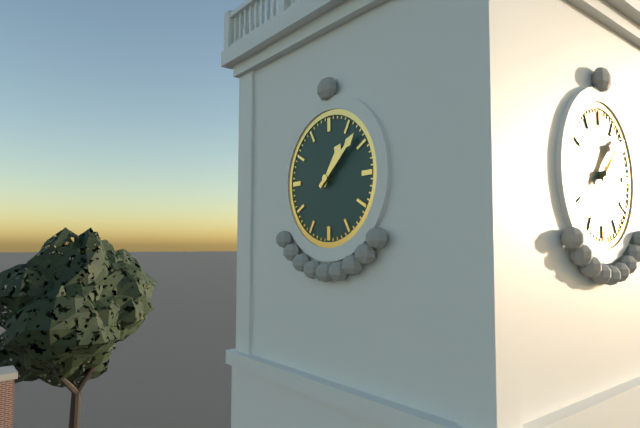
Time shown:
{"hour": 1, "minute": 8}
